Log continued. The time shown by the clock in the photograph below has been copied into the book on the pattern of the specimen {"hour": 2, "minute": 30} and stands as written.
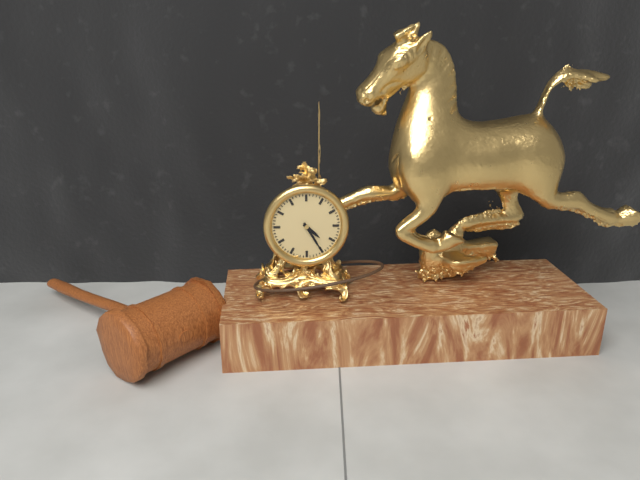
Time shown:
{"hour": 4, "minute": 25}
